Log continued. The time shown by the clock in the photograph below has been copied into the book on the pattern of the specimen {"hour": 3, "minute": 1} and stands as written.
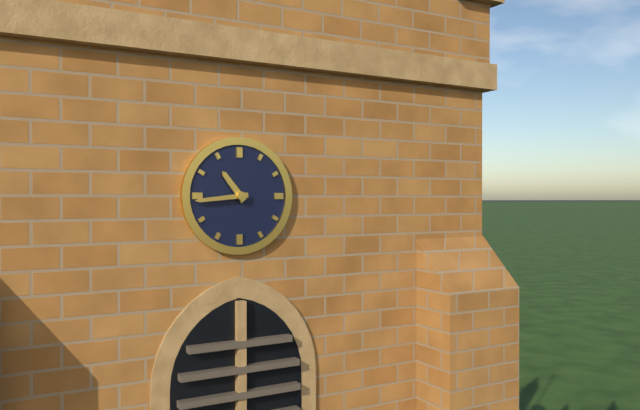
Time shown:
{"hour": 10, "minute": 44}
